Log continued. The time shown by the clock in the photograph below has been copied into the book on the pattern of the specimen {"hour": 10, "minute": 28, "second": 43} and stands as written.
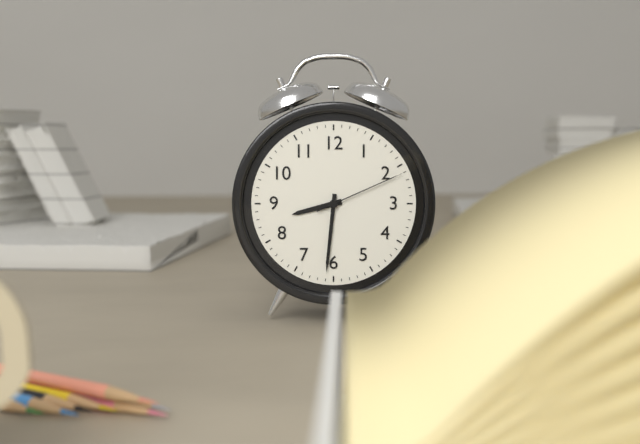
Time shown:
{"hour": 8, "minute": 31, "second": 11}
